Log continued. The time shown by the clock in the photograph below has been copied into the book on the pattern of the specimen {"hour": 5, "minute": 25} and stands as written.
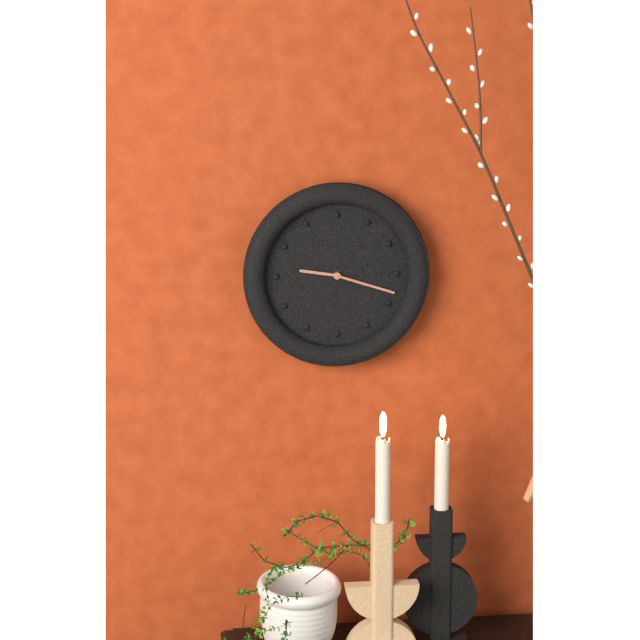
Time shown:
{"hour": 9, "minute": 18}
